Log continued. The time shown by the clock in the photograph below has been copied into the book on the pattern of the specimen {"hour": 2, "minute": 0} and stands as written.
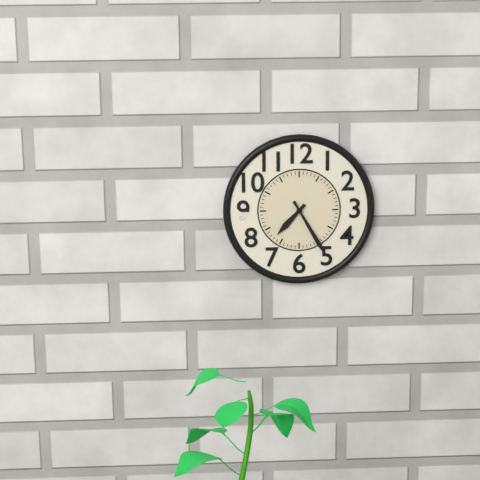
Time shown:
{"hour": 7, "minute": 25}
